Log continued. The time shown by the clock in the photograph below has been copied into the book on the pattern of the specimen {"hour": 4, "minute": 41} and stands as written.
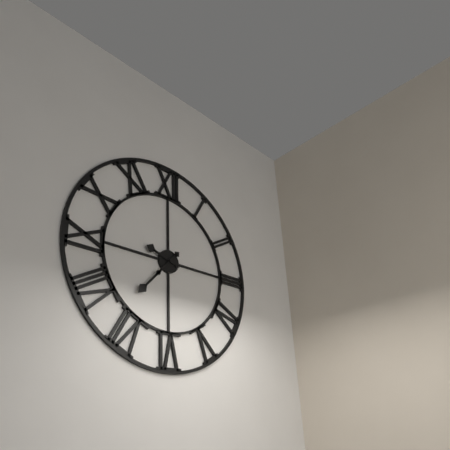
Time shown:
{"hour": 9, "minute": 37}
